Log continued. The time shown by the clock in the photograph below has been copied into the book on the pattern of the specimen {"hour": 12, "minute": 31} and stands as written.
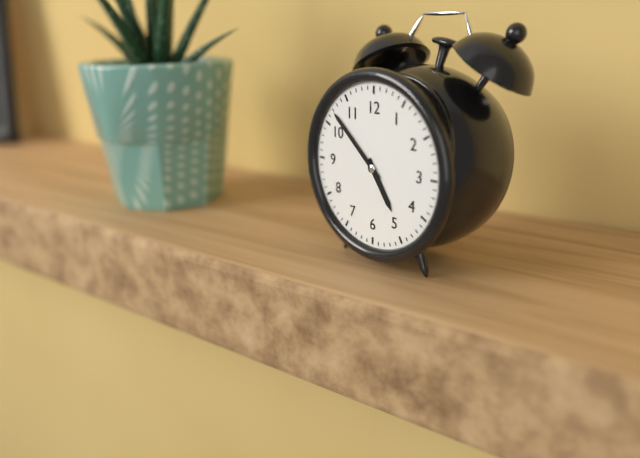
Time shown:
{"hour": 4, "minute": 52}
